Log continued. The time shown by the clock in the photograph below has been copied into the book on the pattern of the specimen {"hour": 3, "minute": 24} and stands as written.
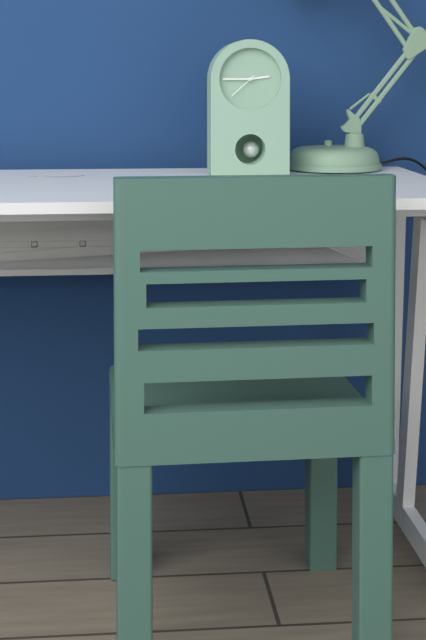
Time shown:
{"hour": 2, "minute": 45}
